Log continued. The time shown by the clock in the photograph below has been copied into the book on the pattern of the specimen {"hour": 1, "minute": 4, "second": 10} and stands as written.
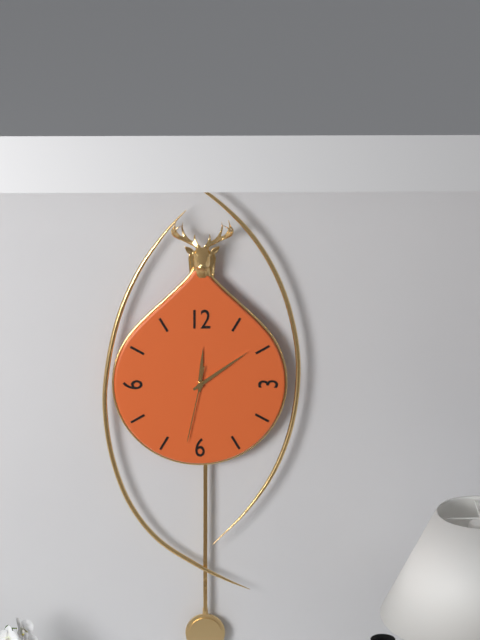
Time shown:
{"hour": 12, "minute": 9, "second": 32}
